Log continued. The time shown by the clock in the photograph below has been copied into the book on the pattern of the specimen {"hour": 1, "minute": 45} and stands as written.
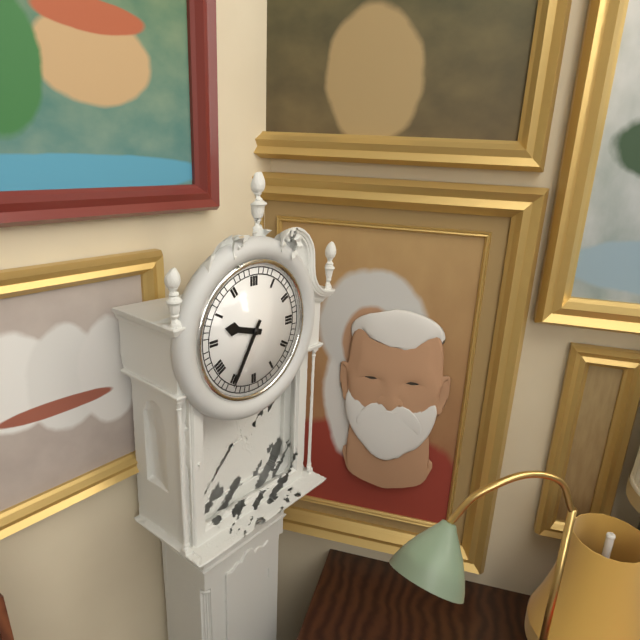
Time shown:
{"hour": 9, "minute": 35}
